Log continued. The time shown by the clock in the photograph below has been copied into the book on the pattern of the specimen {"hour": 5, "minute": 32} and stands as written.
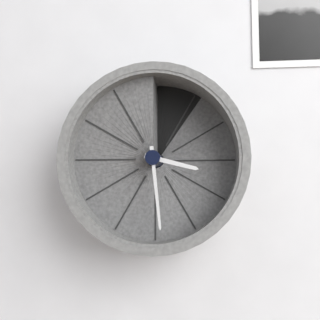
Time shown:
{"hour": 3, "minute": 29}
